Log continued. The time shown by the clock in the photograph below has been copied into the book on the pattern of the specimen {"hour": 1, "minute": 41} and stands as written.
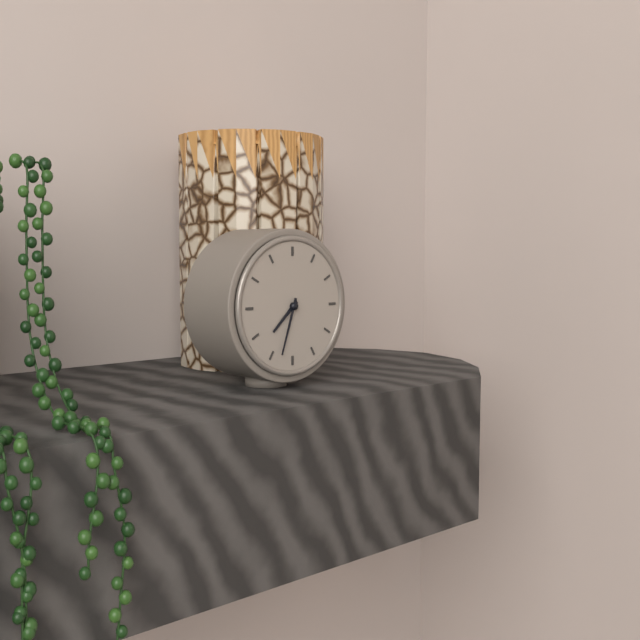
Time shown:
{"hour": 7, "minute": 33}
